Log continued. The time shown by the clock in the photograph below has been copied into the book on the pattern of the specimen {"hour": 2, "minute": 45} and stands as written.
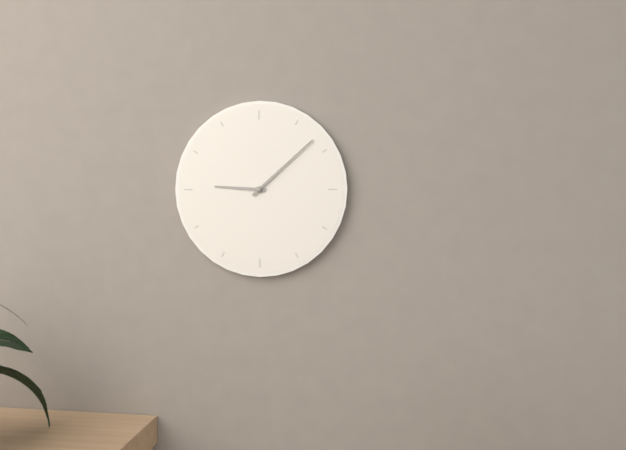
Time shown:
{"hour": 9, "minute": 8}
